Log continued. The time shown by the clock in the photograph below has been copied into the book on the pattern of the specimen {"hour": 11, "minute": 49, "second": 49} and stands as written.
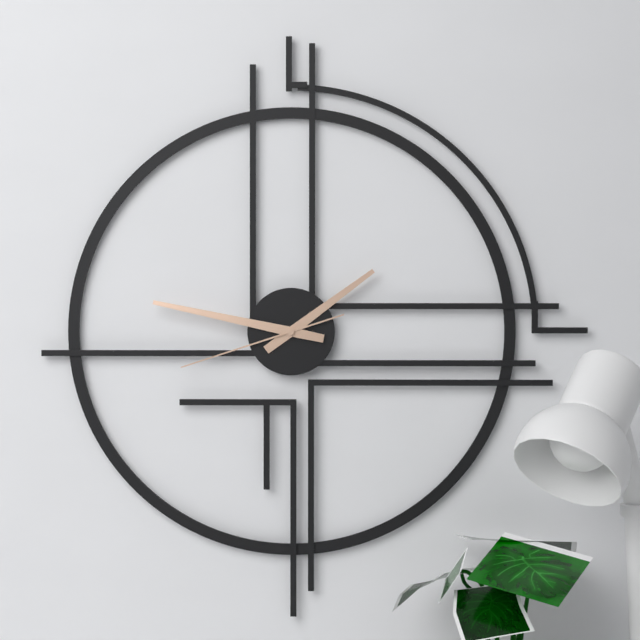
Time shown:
{"hour": 1, "minute": 47, "second": 42}
